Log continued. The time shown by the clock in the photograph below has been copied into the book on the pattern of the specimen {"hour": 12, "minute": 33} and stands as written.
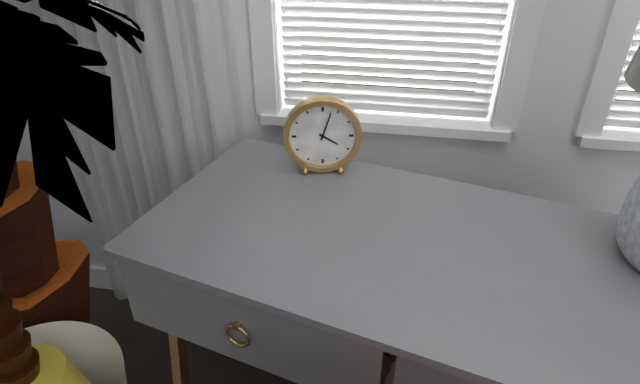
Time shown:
{"hour": 4, "minute": 3}
